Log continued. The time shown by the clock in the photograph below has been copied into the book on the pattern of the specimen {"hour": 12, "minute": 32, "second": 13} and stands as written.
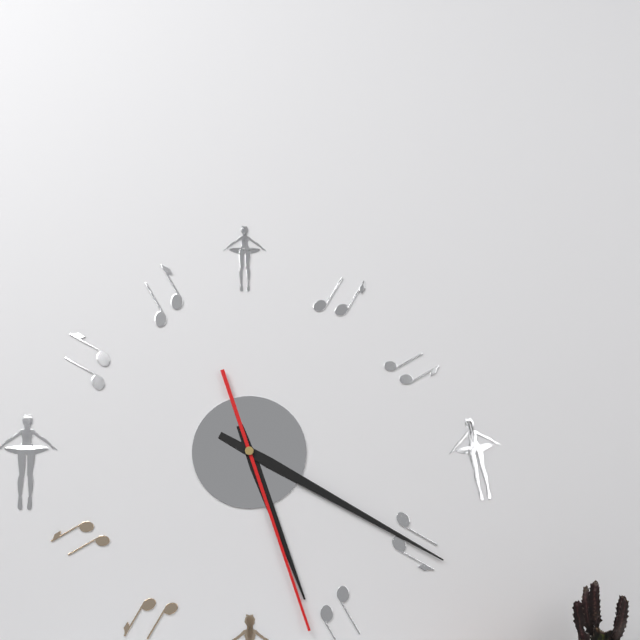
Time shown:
{"hour": 5, "minute": 20, "second": 27}
